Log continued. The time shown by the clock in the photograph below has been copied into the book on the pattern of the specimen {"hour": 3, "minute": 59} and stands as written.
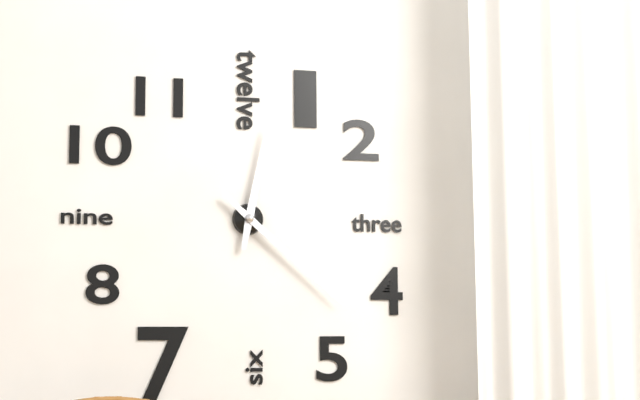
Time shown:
{"hour": 12, "minute": 22}
